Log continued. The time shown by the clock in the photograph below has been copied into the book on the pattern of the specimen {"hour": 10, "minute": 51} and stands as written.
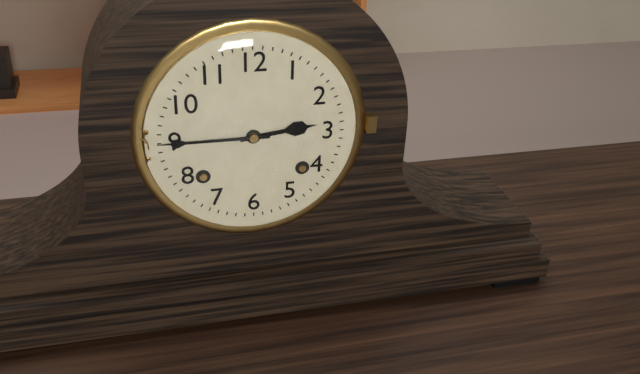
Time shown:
{"hour": 2, "minute": 45}
